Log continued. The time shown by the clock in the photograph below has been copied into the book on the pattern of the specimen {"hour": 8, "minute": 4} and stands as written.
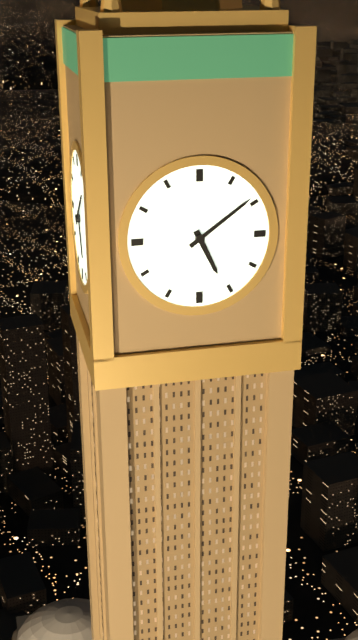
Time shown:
{"hour": 5, "minute": 9}
